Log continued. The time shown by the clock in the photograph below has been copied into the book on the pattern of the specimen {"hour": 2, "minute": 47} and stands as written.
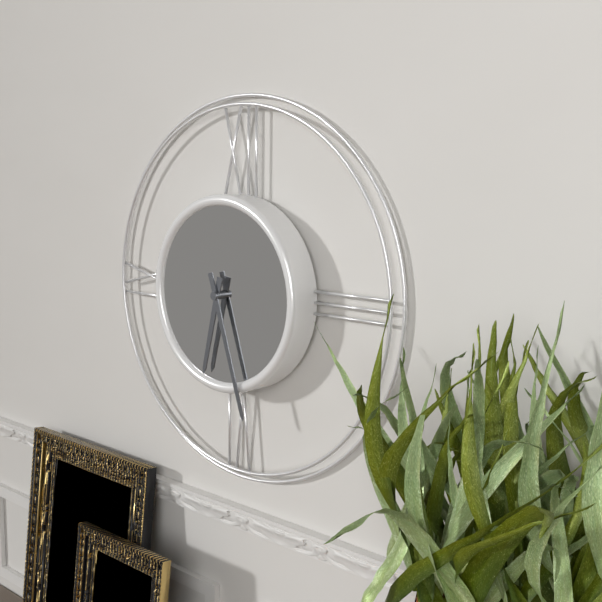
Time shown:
{"hour": 6, "minute": 27}
